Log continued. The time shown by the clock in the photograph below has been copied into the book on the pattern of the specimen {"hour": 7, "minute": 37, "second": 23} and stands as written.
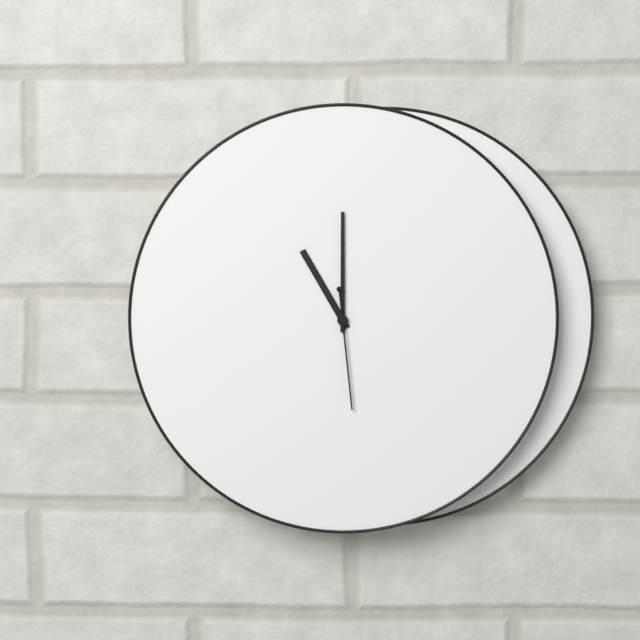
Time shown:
{"hour": 11, "minute": 0, "second": 29}
